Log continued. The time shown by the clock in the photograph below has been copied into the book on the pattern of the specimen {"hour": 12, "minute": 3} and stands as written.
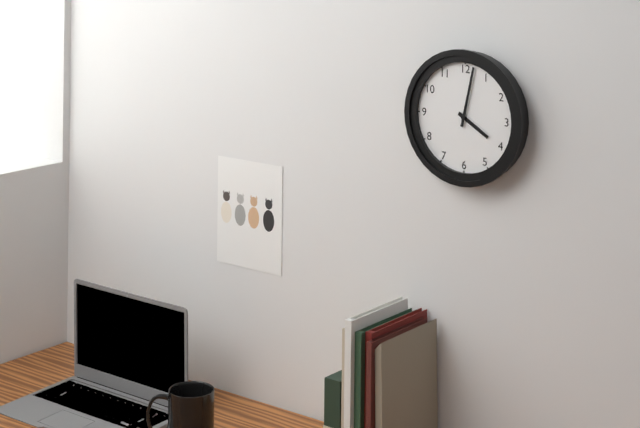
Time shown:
{"hour": 4, "minute": 2}
